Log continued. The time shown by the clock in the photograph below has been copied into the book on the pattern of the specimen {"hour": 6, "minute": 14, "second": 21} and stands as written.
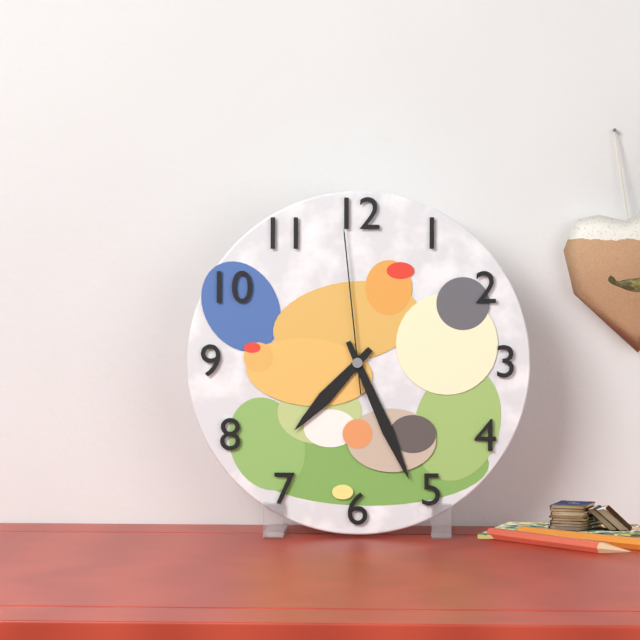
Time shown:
{"hour": 7, "minute": 26, "second": 59}
